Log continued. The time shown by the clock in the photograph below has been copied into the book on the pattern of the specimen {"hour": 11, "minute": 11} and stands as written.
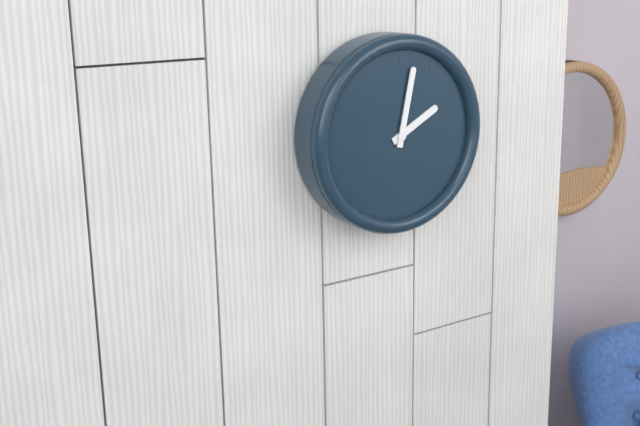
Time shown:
{"hour": 2, "minute": 2}
